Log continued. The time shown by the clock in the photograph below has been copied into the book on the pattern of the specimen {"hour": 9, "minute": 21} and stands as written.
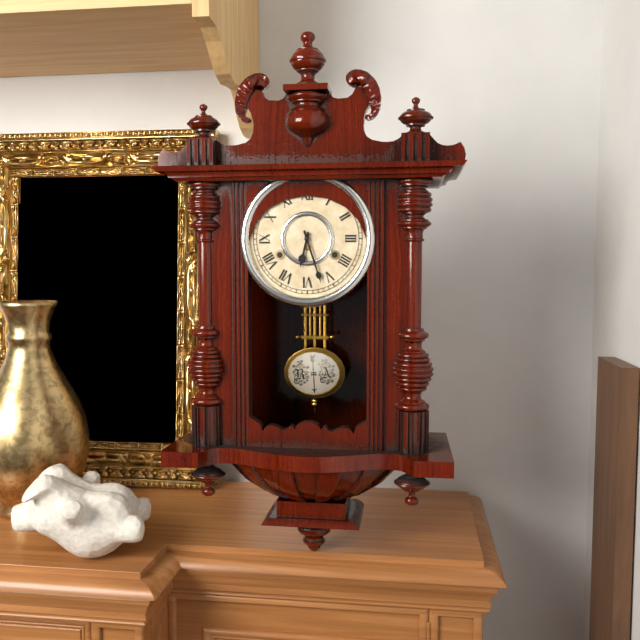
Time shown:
{"hour": 6, "minute": 27}
